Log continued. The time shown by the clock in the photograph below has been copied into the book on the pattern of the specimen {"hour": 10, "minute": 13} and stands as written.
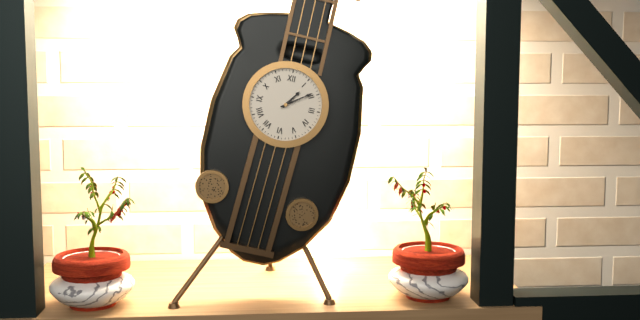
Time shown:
{"hour": 1, "minute": 9}
